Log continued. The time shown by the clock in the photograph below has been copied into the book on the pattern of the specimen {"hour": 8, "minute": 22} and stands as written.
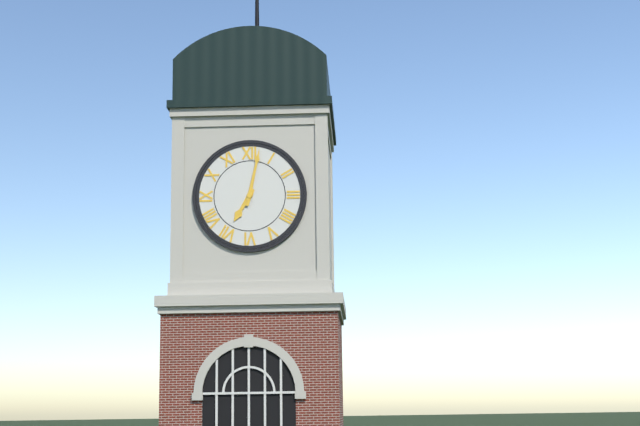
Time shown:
{"hour": 7, "minute": 2}
